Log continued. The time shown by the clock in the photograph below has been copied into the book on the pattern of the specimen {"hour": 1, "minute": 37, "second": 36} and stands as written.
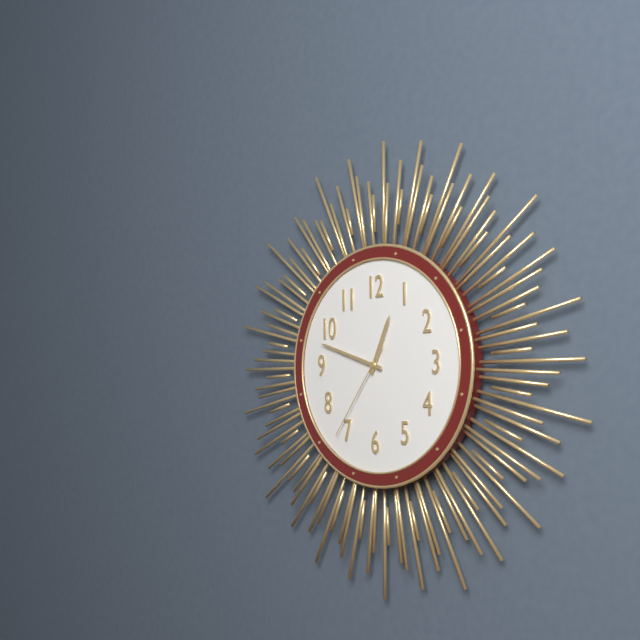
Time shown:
{"hour": 12, "minute": 48, "second": 36}
